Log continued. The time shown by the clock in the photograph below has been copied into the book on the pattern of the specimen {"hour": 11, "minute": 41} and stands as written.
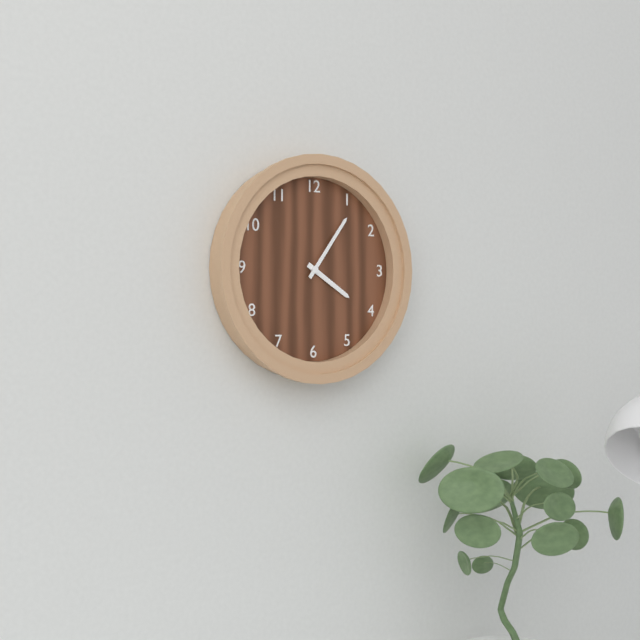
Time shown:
{"hour": 4, "minute": 6}
